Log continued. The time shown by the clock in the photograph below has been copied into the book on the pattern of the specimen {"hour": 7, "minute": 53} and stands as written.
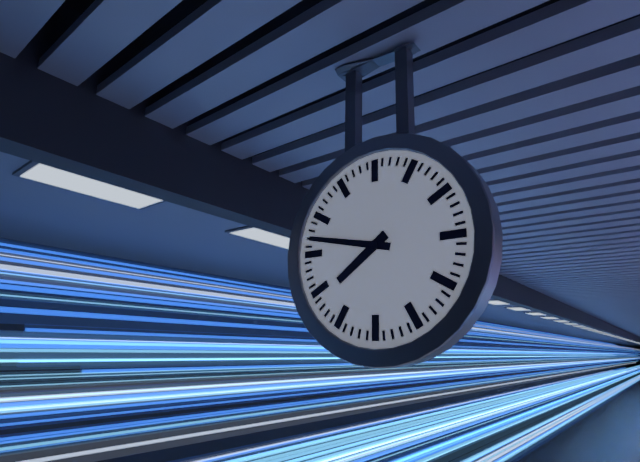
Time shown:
{"hour": 7, "minute": 47}
